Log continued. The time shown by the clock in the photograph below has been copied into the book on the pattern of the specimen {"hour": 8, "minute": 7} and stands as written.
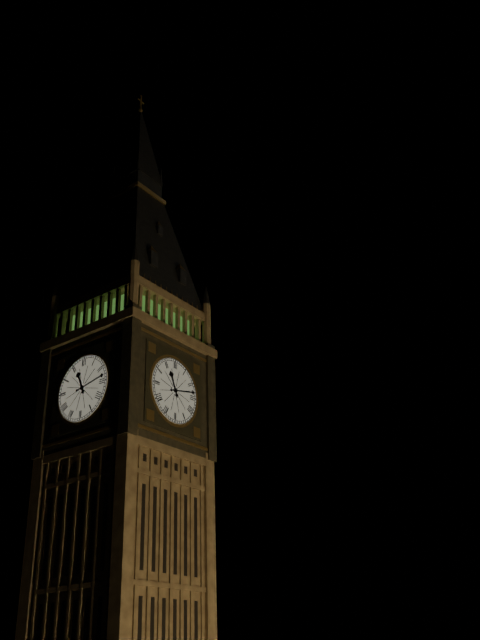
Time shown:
{"hour": 11, "minute": 13}
